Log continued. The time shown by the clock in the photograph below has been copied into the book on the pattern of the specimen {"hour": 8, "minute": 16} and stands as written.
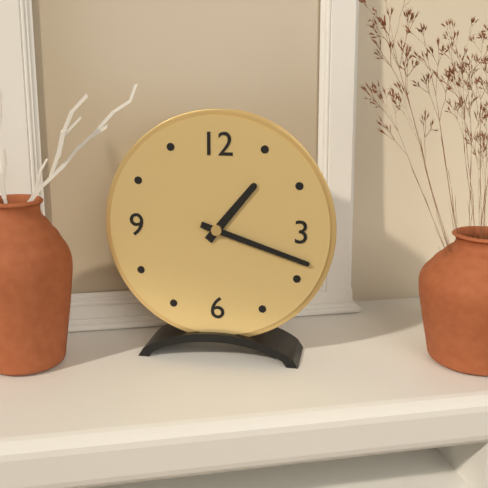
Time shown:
{"hour": 1, "minute": 18}
